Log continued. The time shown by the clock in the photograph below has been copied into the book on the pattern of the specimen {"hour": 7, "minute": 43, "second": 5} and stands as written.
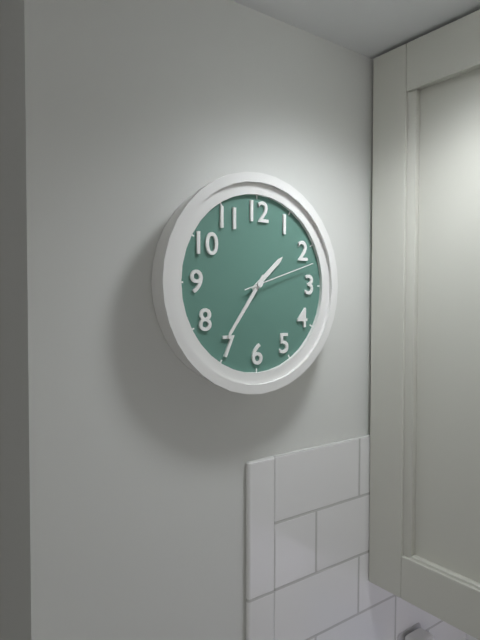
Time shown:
{"hour": 1, "minute": 36, "second": 12}
